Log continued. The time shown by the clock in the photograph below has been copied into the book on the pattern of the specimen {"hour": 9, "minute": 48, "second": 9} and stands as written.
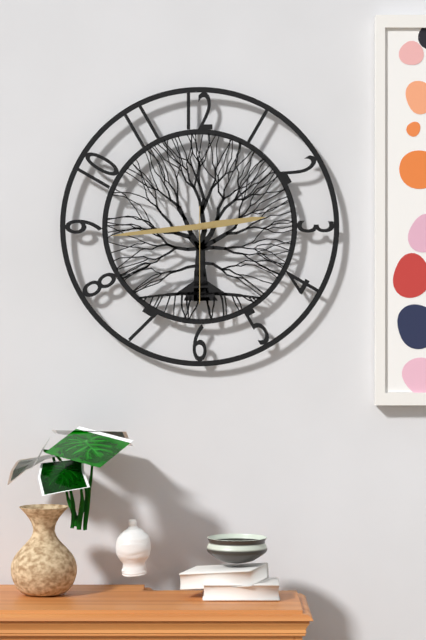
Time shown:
{"hour": 2, "minute": 44, "second": 30}
